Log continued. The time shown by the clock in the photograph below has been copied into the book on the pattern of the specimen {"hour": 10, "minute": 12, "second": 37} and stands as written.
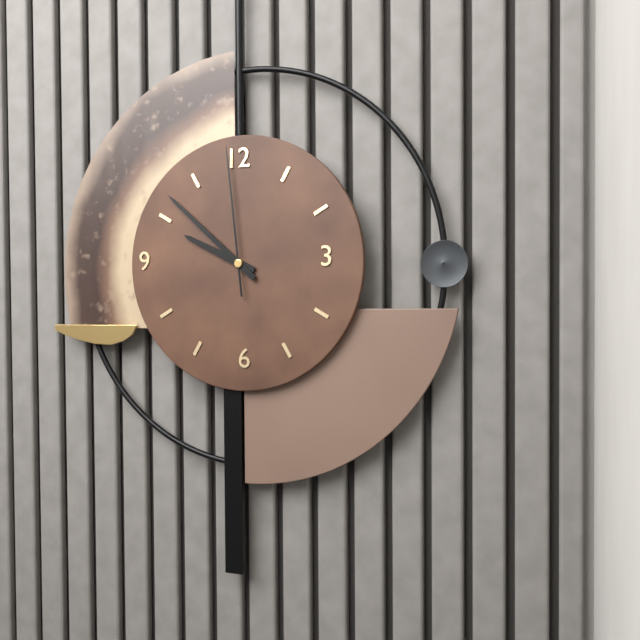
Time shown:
{"hour": 9, "minute": 52, "second": 59}
